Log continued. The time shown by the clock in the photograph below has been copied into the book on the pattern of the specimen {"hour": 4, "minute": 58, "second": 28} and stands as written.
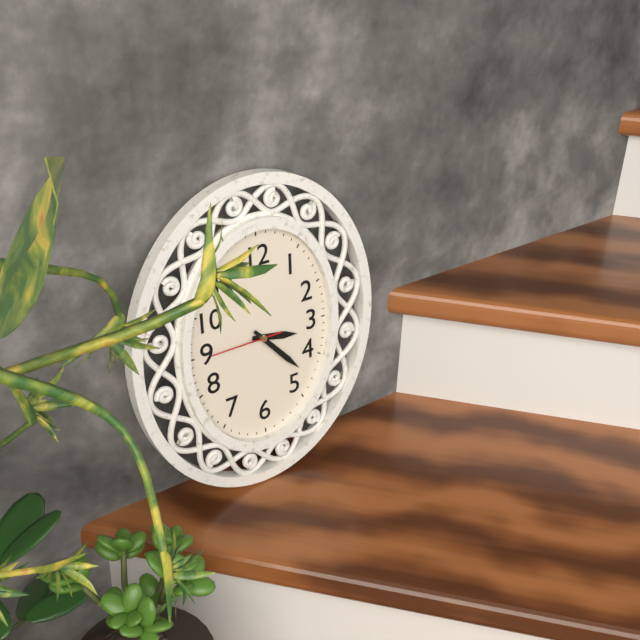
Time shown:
{"hour": 3, "minute": 23, "second": 45}
